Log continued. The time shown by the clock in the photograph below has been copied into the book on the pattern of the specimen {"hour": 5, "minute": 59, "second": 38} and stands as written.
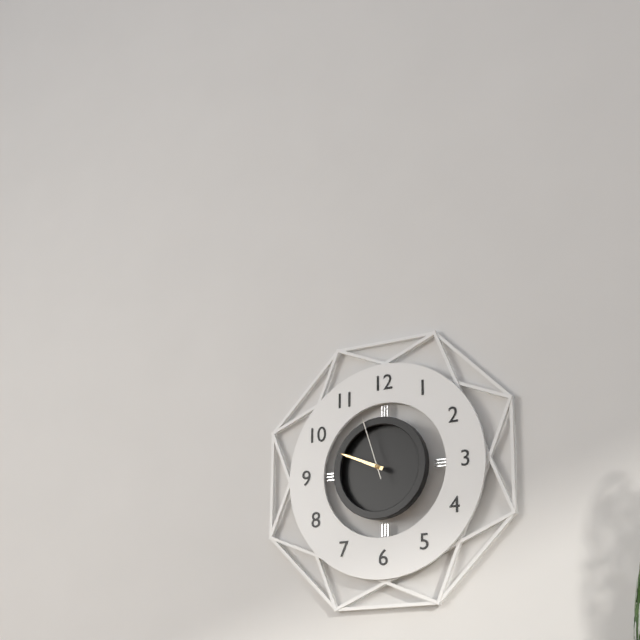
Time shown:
{"hour": 9, "minute": 49, "second": 57}
